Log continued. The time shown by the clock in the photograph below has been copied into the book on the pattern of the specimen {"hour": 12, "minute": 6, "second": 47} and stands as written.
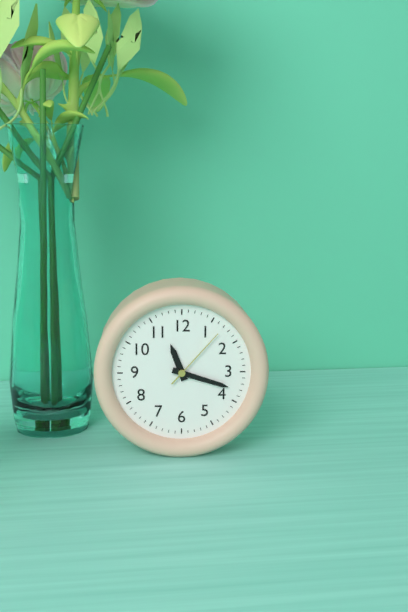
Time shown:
{"hour": 11, "minute": 18, "second": 7}
